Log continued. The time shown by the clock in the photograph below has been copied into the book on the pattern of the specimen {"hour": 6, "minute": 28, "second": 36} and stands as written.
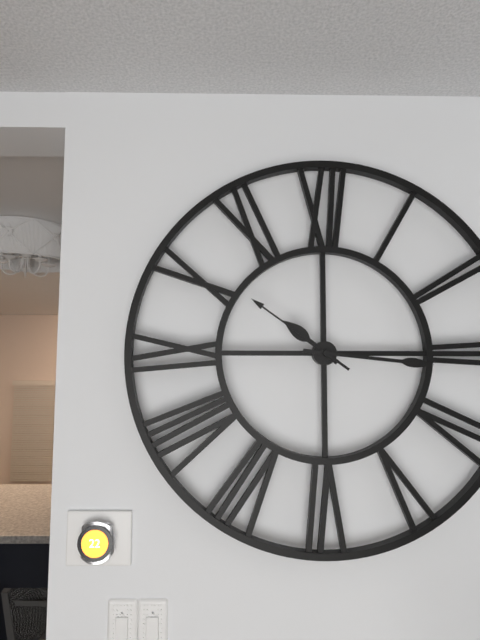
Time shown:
{"hour": 10, "minute": 16, "second": 51}
